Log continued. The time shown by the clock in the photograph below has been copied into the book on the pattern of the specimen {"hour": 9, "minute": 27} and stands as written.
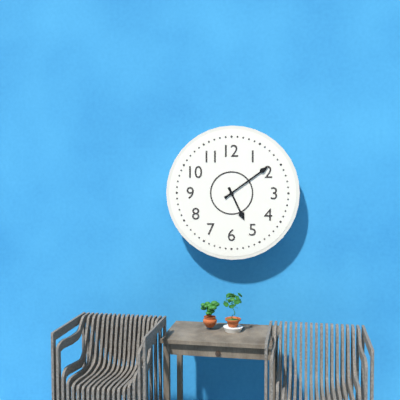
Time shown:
{"hour": 5, "minute": 9}
